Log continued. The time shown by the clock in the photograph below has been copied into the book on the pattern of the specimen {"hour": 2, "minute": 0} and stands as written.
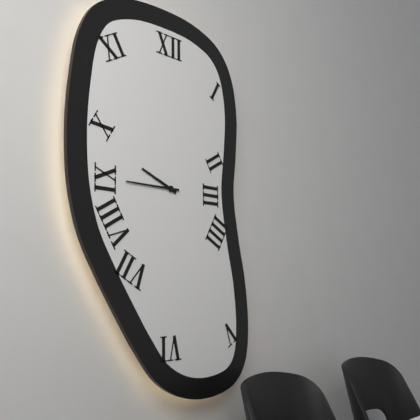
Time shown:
{"hour": 9, "minute": 45}
